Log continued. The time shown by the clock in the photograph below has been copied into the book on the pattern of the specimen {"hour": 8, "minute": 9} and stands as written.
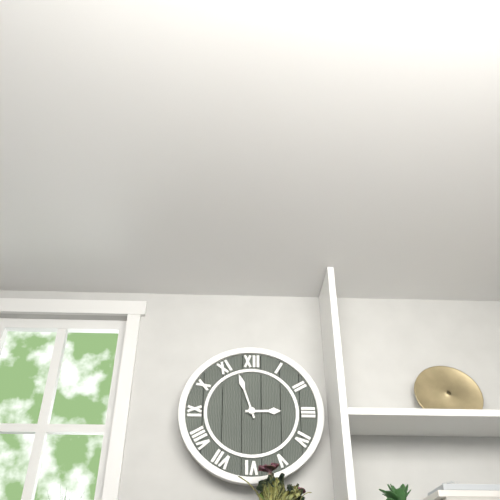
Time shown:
{"hour": 2, "minute": 57}
